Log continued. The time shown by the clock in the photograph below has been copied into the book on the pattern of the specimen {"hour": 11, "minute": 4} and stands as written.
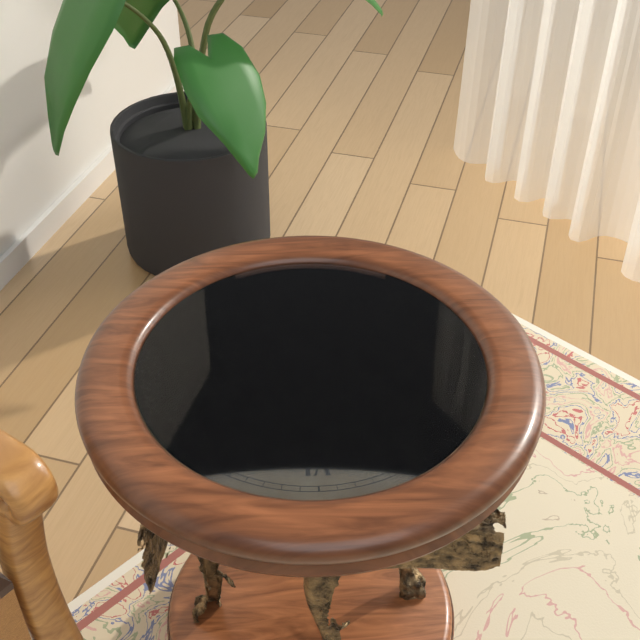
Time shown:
{"hour": 2, "minute": 19}
